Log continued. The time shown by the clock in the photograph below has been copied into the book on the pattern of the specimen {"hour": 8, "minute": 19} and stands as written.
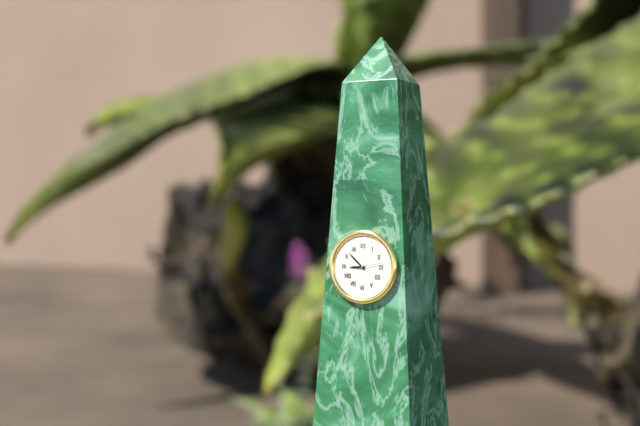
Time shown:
{"hour": 8, "minute": 52}
